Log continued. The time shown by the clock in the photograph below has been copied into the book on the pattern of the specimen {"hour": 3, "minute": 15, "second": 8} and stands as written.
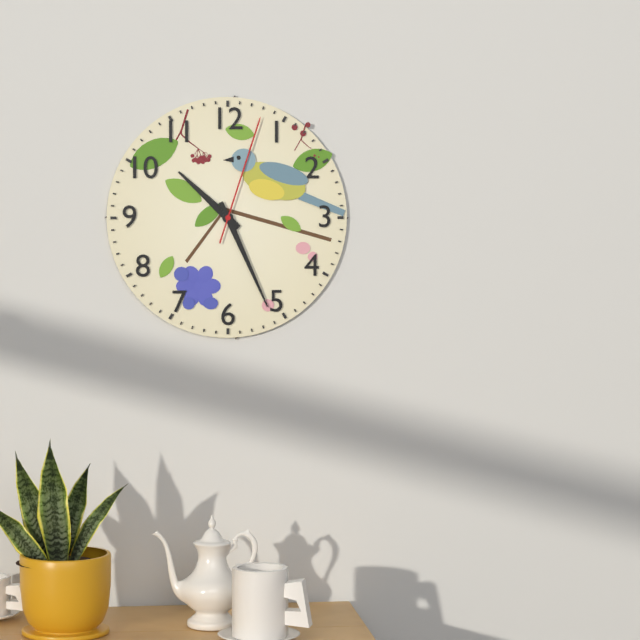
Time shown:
{"hour": 10, "minute": 26, "second": 3}
